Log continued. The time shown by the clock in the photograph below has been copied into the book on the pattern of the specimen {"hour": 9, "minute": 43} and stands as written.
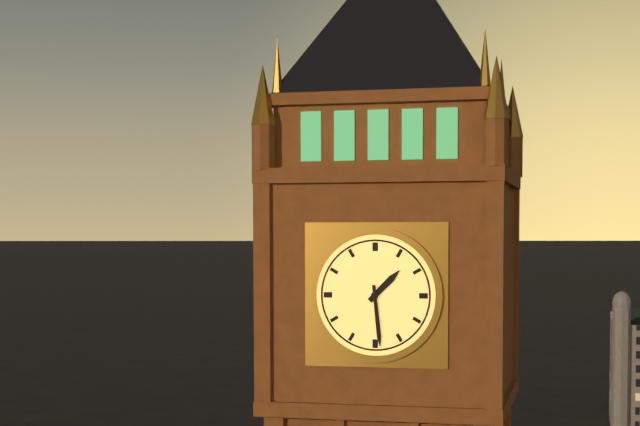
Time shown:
{"hour": 1, "minute": 29}
